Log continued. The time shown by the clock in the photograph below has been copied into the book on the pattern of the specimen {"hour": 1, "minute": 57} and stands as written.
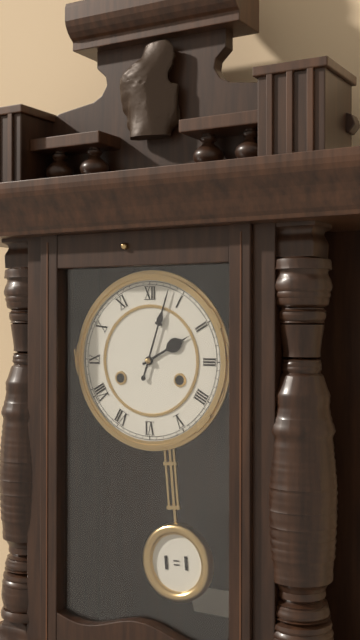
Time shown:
{"hour": 2, "minute": 3}
